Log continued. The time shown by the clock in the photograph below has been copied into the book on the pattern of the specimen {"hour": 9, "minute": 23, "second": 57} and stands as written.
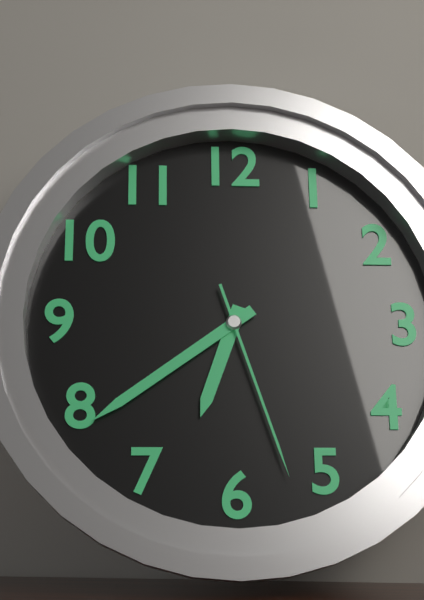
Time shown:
{"hour": 6, "minute": 39, "second": 27}
